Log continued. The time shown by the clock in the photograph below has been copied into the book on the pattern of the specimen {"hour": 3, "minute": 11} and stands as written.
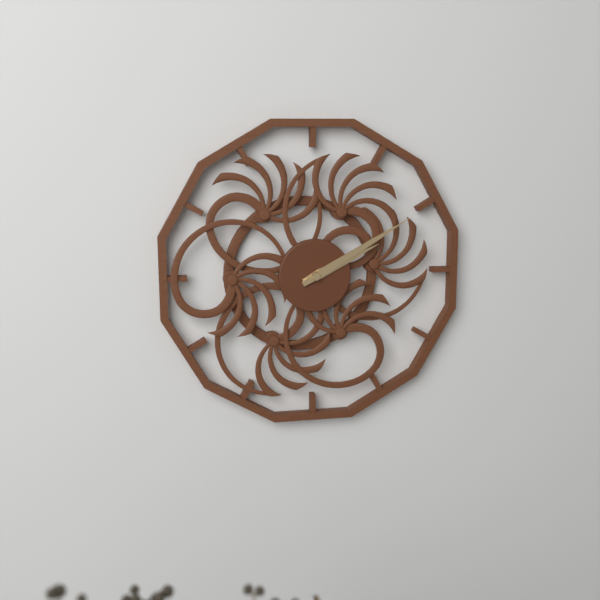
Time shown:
{"hour": 2, "minute": 10}
